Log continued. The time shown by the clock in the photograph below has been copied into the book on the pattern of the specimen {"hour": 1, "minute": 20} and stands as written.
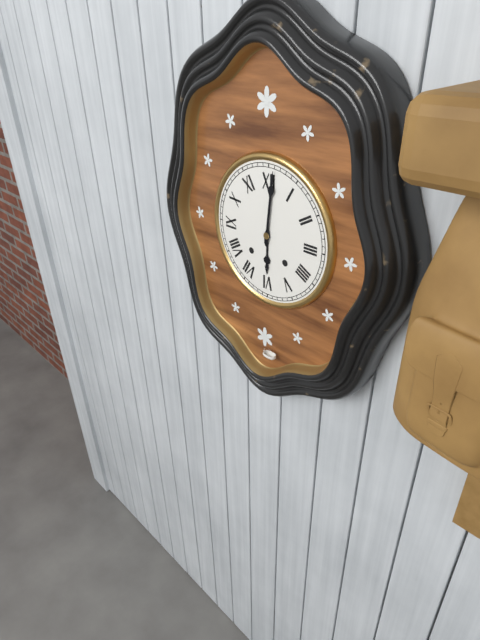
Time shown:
{"hour": 6, "minute": 1}
